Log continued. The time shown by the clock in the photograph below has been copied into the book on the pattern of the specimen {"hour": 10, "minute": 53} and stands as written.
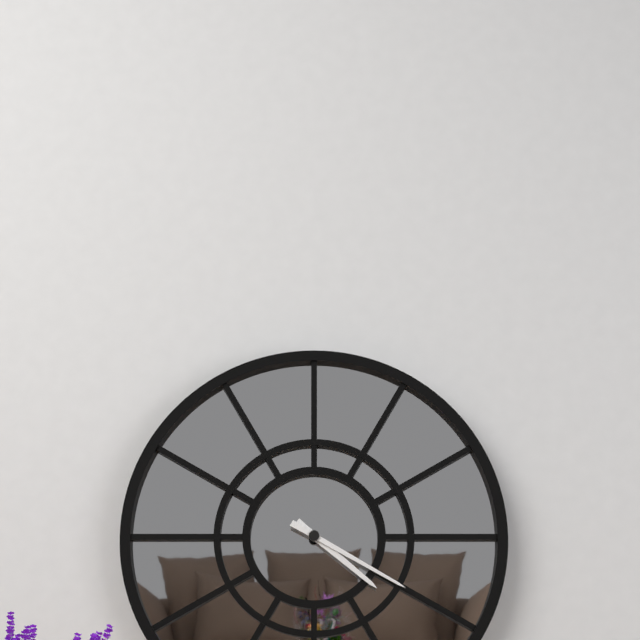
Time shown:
{"hour": 4, "minute": 20}
